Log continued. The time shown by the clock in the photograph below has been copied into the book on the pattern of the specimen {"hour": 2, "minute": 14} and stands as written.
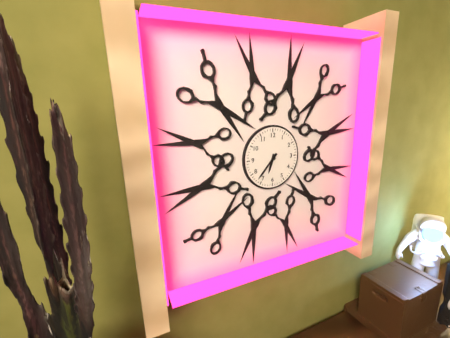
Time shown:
{"hour": 6, "minute": 37}
